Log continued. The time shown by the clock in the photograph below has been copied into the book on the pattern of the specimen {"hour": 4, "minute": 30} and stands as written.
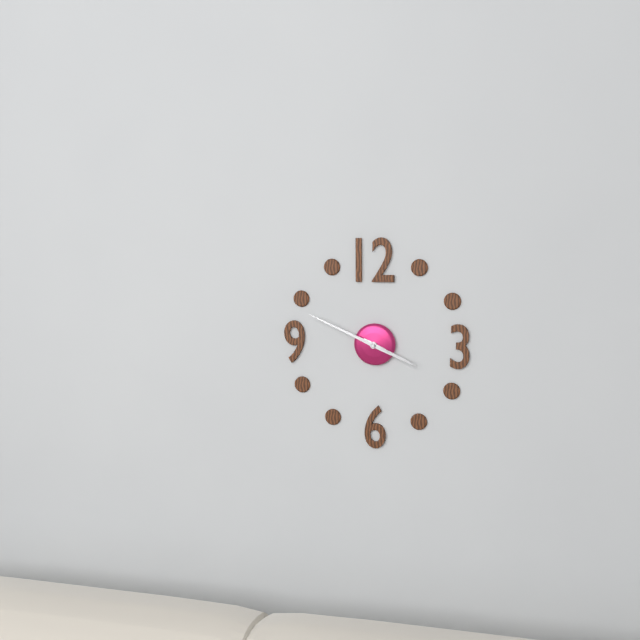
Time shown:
{"hour": 3, "minute": 49}
